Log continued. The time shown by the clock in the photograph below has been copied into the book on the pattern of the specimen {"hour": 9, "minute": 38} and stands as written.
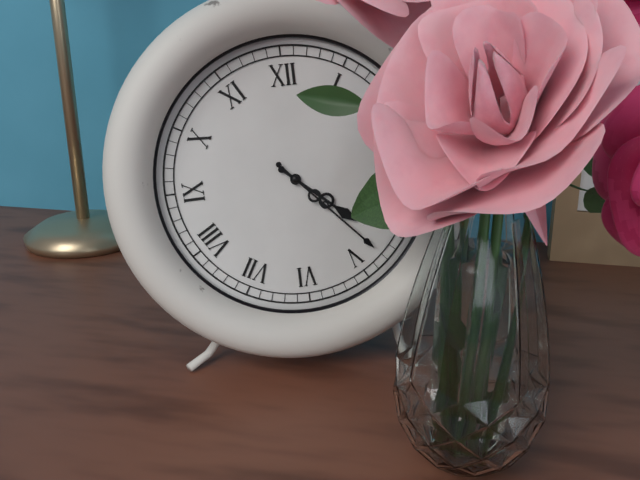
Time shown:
{"hour": 4, "minute": 23}
